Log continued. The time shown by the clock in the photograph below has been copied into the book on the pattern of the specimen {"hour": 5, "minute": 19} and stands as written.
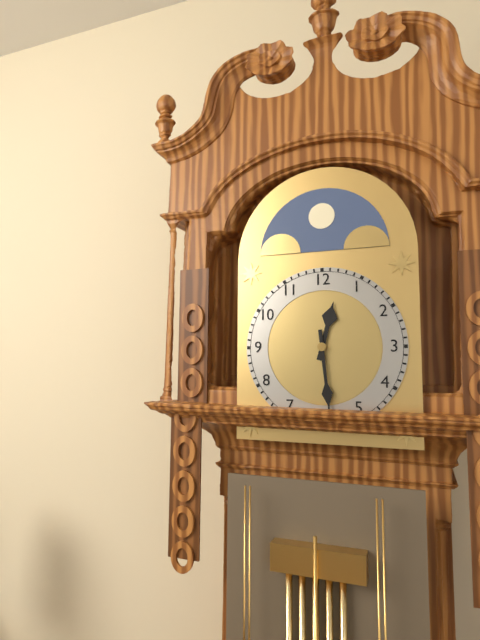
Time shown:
{"hour": 12, "minute": 29}
